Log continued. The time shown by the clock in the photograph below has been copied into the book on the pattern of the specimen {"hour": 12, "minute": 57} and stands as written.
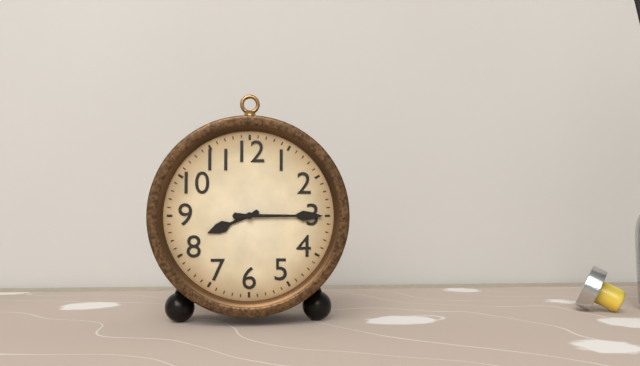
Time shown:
{"hour": 8, "minute": 15}
